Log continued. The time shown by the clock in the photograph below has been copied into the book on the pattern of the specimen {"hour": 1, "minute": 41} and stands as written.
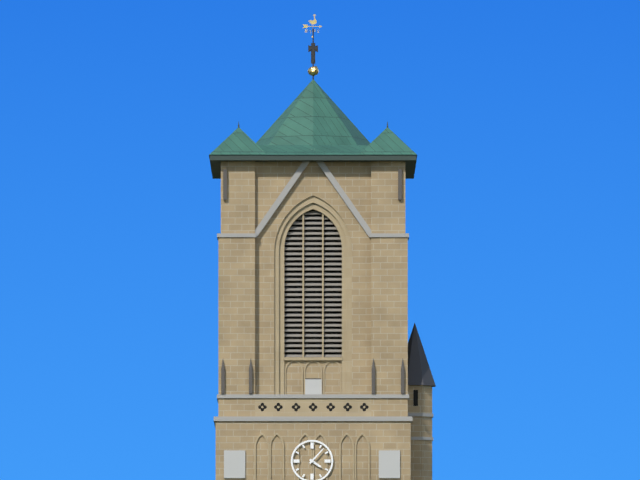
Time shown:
{"hour": 4, "minute": 7}
